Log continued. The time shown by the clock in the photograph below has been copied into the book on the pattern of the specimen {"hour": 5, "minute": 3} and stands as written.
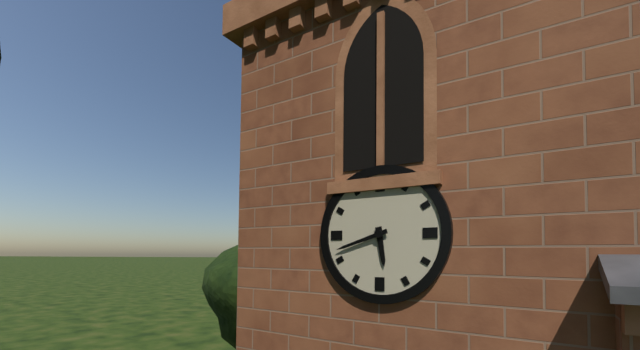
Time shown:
{"hour": 5, "minute": 42}
